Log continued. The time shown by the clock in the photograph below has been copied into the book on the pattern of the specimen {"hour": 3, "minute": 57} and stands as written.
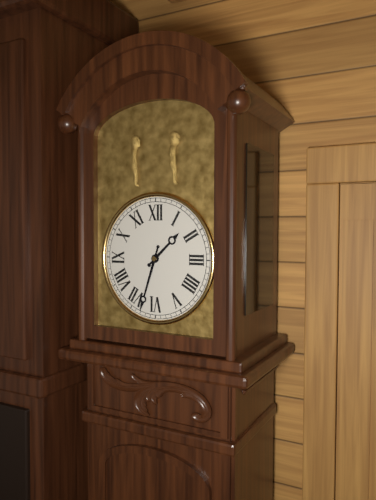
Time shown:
{"hour": 1, "minute": 33}
